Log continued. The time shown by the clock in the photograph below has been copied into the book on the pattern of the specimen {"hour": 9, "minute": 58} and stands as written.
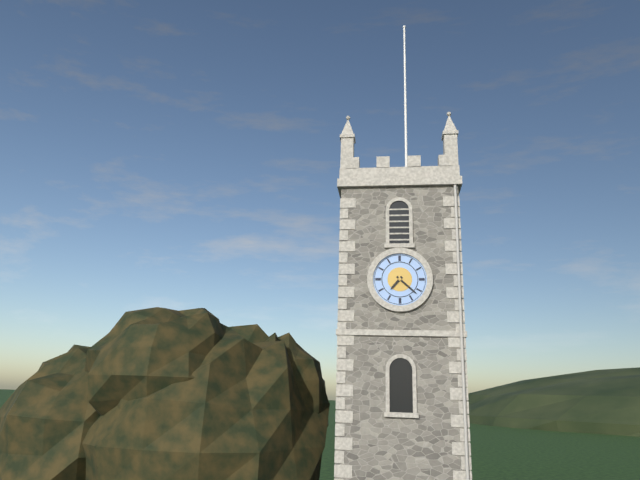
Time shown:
{"hour": 7, "minute": 22}
